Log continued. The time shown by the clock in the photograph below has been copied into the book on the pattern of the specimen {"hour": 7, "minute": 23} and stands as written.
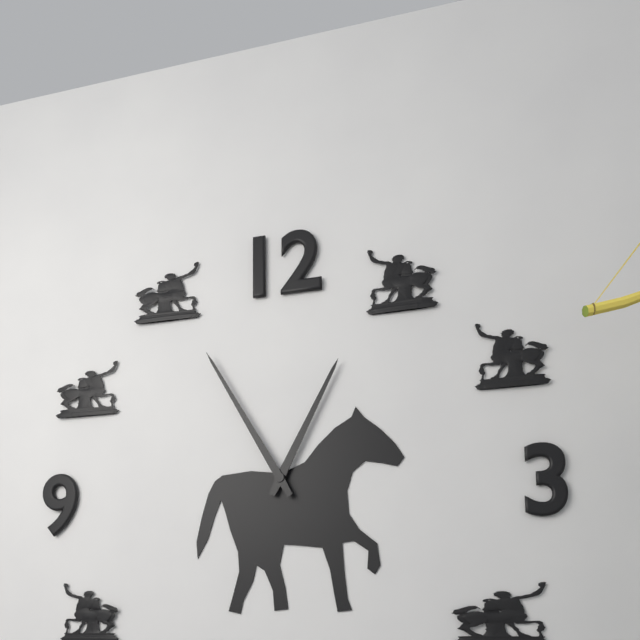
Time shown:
{"hour": 12, "minute": 55}
